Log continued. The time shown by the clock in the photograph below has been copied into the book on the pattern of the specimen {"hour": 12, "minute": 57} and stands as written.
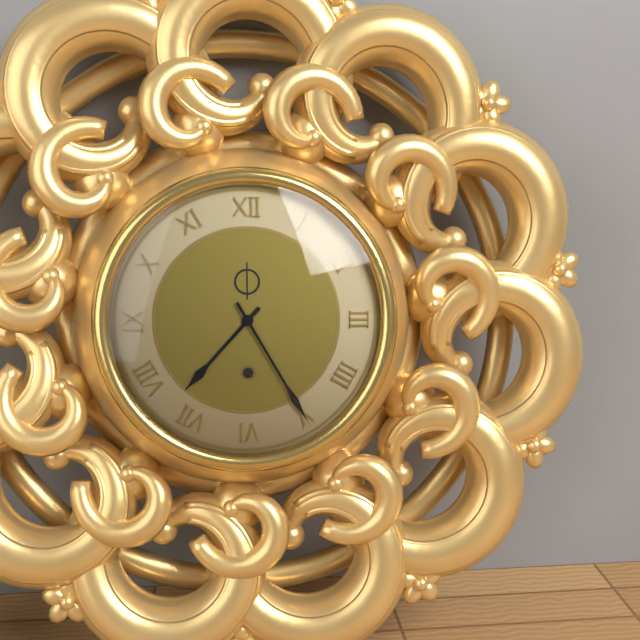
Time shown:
{"hour": 7, "minute": 25}
